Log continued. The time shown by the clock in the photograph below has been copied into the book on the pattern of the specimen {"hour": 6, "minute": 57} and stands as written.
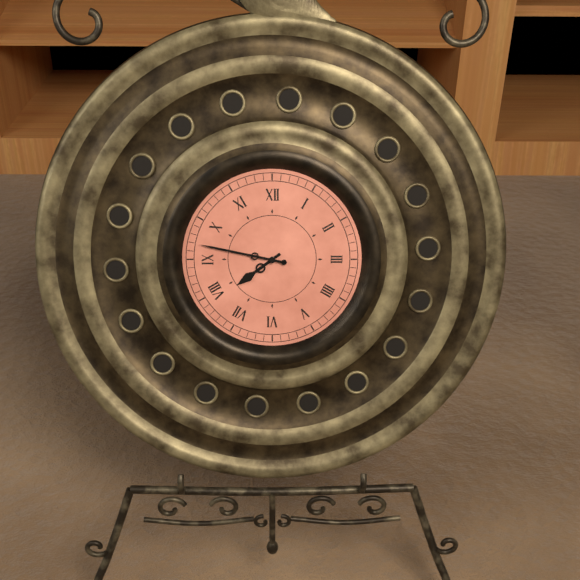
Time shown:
{"hour": 7, "minute": 47}
